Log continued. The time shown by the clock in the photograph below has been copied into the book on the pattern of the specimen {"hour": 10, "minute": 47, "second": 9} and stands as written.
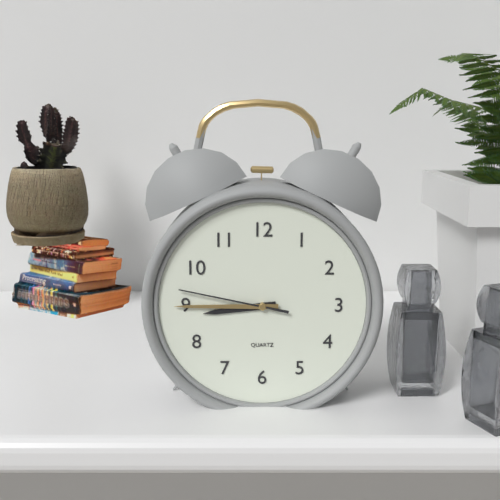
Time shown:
{"hour": 8, "minute": 45, "second": 47}
